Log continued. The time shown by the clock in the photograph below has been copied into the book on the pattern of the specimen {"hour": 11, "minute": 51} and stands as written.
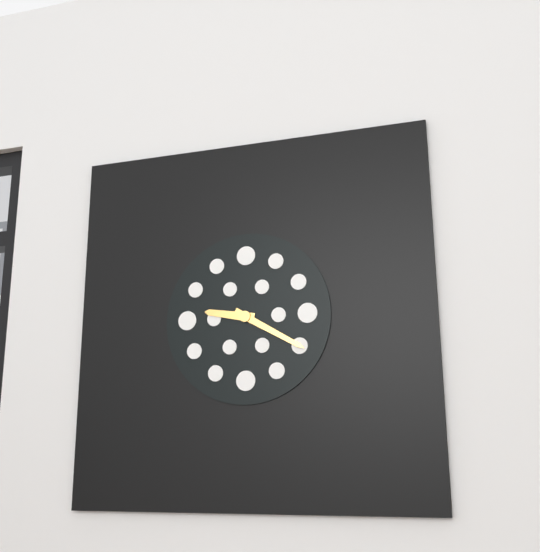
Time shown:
{"hour": 9, "minute": 20}
